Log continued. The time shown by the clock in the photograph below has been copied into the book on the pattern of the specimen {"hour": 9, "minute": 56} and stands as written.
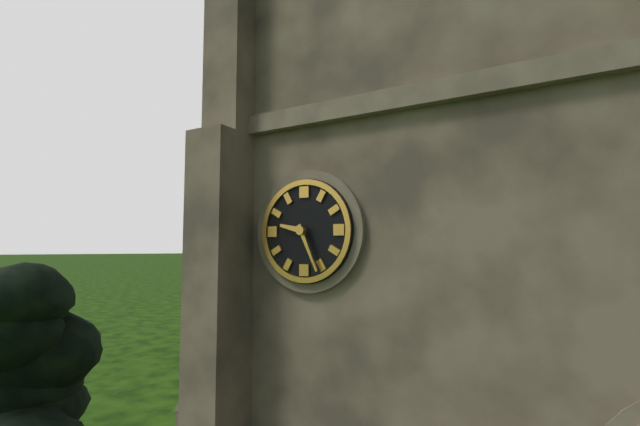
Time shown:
{"hour": 9, "minute": 26}
